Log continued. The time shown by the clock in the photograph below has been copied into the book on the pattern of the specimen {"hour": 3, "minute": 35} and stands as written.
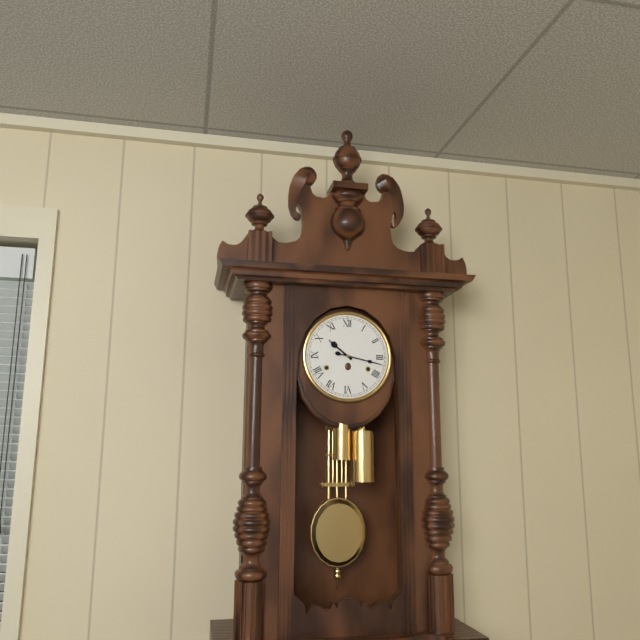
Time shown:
{"hour": 10, "minute": 17}
